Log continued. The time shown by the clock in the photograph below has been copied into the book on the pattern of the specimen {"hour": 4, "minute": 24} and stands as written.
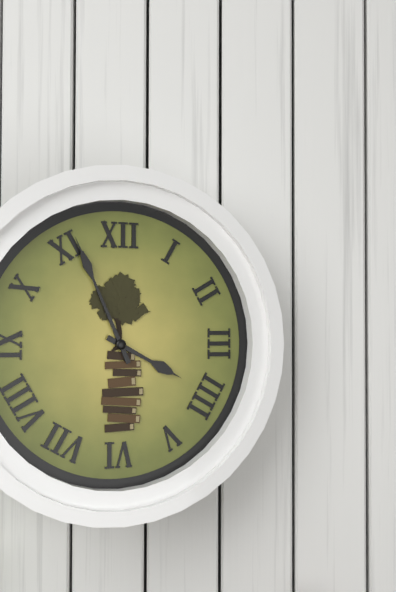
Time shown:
{"hour": 3, "minute": 56}
